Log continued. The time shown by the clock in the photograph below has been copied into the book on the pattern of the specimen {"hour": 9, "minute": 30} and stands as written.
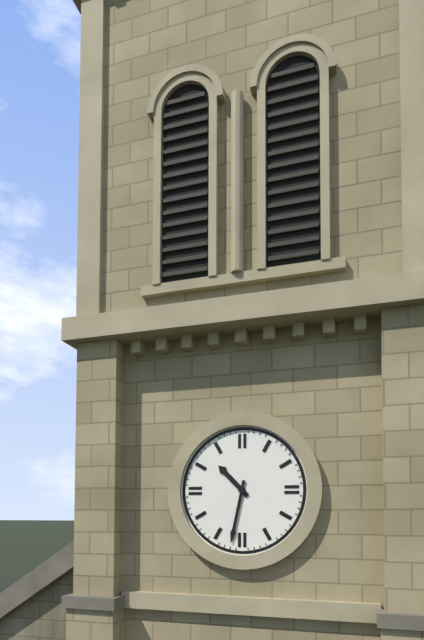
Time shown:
{"hour": 10, "minute": 32}
